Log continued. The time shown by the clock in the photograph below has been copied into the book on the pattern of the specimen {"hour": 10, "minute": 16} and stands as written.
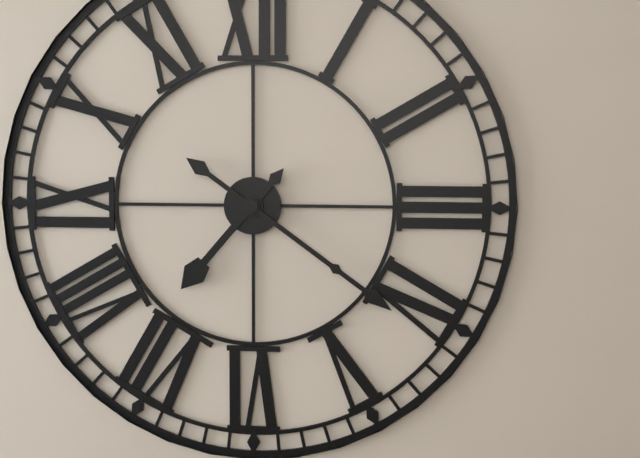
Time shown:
{"hour": 7, "minute": 21}
